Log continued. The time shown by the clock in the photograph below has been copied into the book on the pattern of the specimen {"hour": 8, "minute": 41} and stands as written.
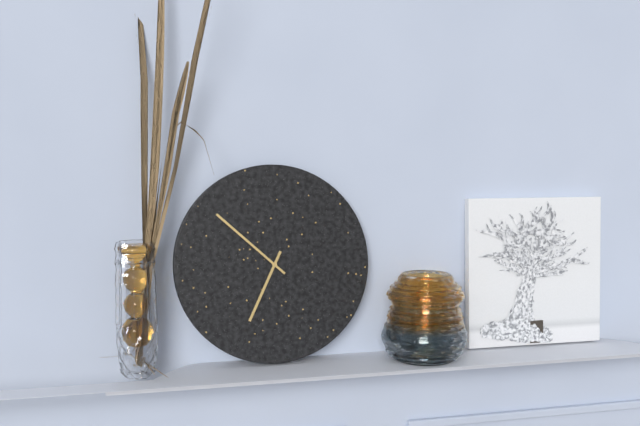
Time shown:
{"hour": 6, "minute": 52}
